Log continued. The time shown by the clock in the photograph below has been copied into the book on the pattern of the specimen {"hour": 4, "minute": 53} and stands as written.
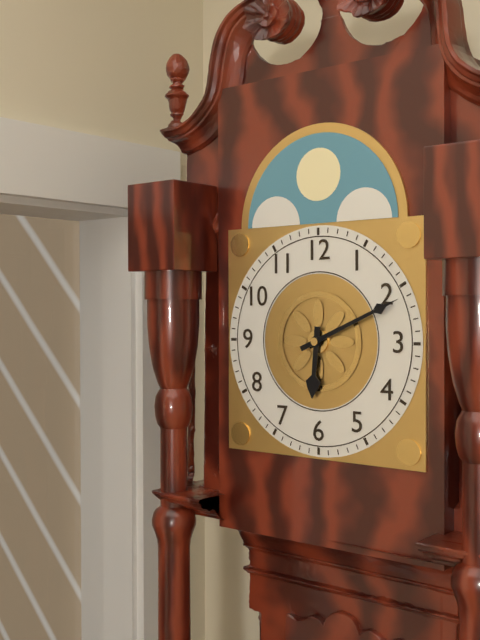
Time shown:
{"hour": 6, "minute": 11}
